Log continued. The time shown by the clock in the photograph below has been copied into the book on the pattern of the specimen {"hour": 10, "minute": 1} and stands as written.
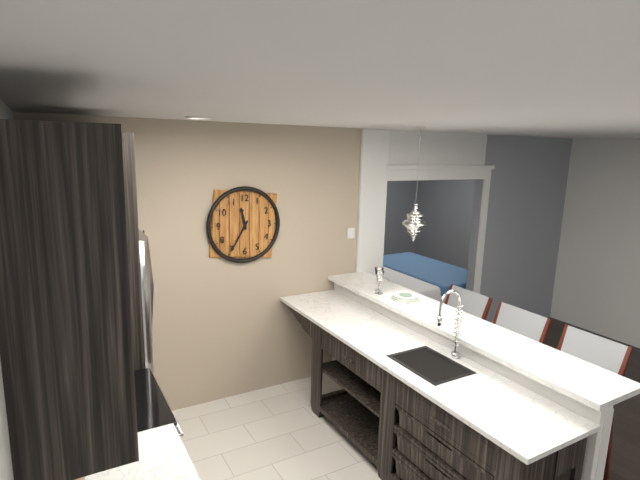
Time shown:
{"hour": 11, "minute": 35}
